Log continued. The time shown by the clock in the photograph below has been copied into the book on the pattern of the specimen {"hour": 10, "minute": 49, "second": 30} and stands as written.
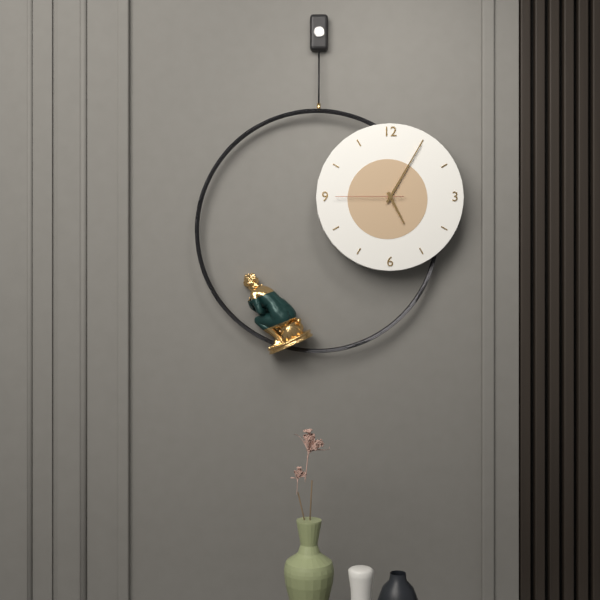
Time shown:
{"hour": 5, "minute": 5, "second": 45}
